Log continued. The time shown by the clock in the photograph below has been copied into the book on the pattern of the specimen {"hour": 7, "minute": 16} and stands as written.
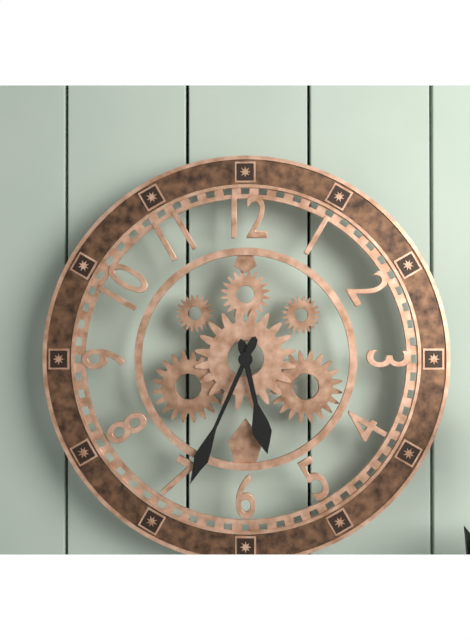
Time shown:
{"hour": 5, "minute": 34}
